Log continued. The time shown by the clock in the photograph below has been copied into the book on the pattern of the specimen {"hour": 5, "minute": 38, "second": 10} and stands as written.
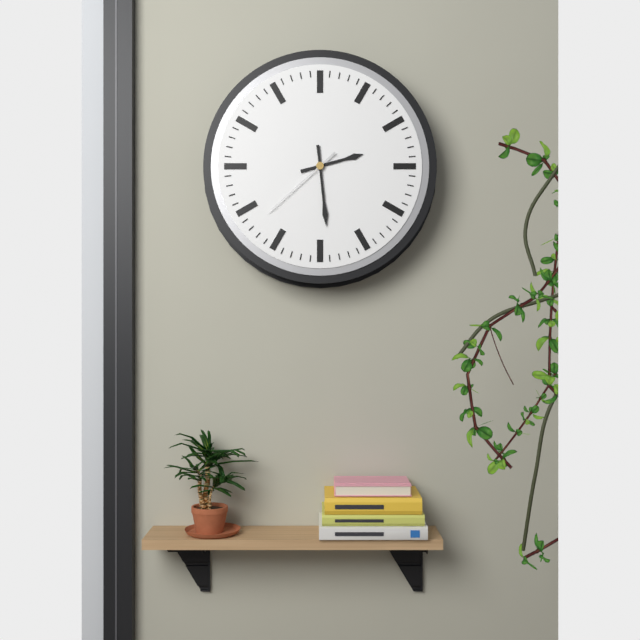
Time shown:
{"hour": 2, "minute": 29, "second": 38}
